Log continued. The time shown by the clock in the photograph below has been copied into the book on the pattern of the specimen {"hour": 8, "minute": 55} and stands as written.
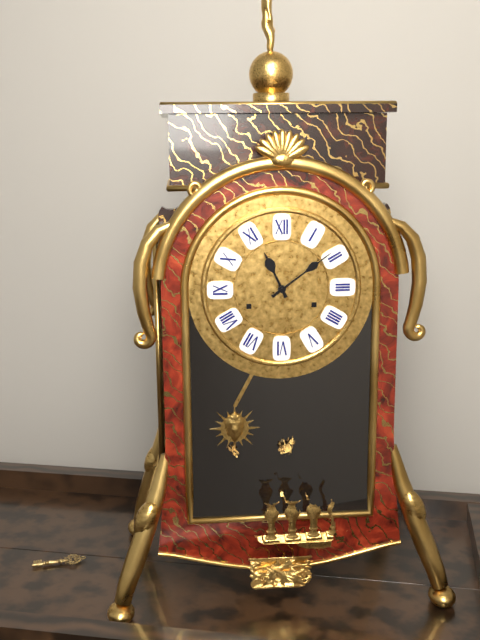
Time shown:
{"hour": 11, "minute": 9}
